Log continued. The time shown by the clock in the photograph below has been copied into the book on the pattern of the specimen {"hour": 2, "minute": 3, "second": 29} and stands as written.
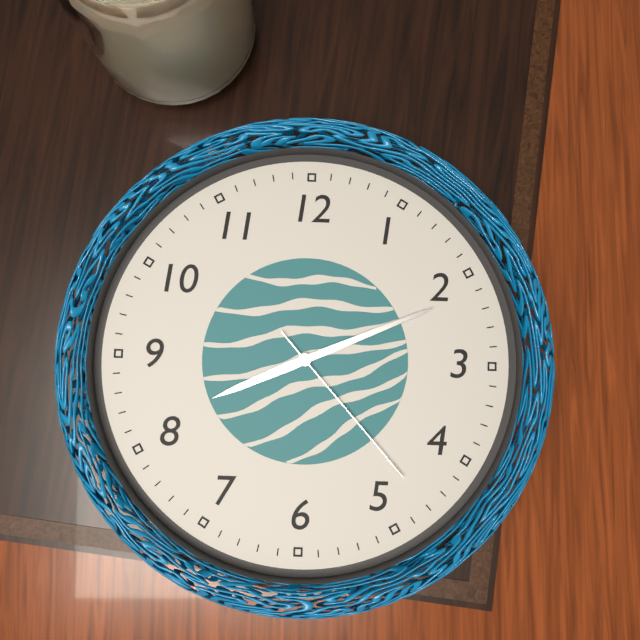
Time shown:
{"hour": 8, "minute": 11, "second": 23}
